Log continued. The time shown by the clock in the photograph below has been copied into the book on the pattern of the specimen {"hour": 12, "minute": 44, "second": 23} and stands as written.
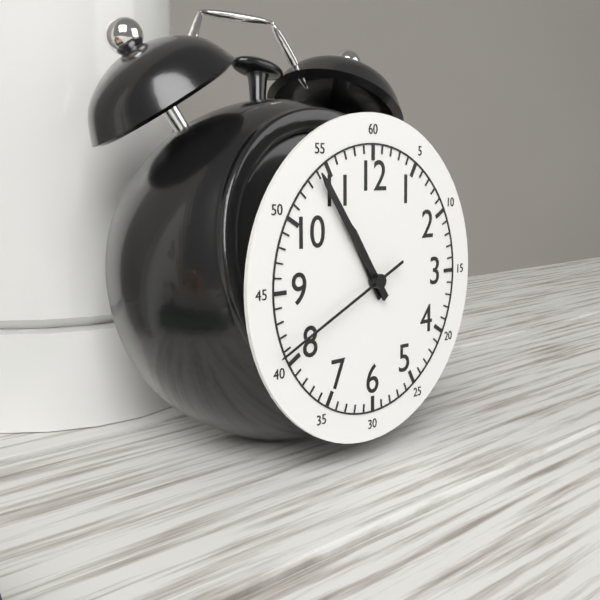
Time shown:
{"hour": 10, "minute": 54, "second": 41}
